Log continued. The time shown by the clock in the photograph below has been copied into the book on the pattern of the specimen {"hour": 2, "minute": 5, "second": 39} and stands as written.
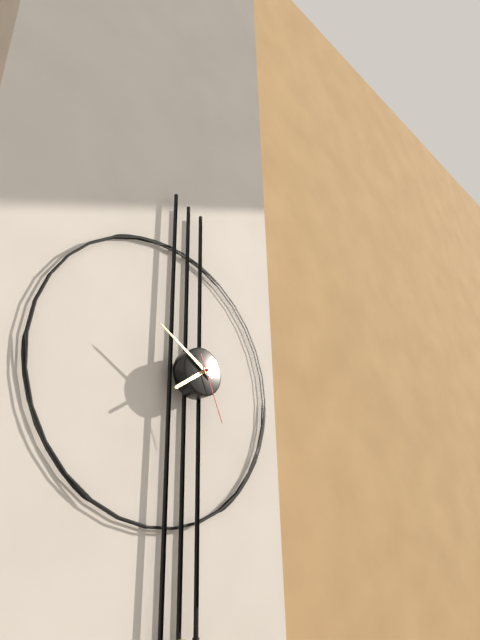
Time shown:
{"hour": 7, "minute": 50, "second": 26}
